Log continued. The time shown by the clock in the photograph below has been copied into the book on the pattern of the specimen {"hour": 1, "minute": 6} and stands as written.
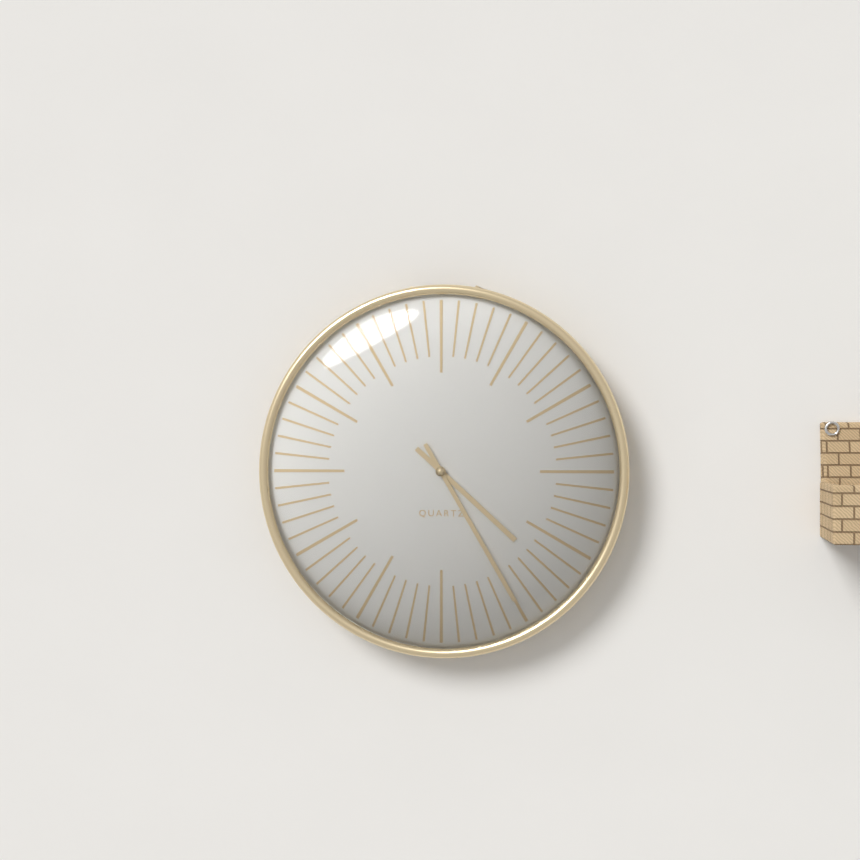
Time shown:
{"hour": 4, "minute": 25}
